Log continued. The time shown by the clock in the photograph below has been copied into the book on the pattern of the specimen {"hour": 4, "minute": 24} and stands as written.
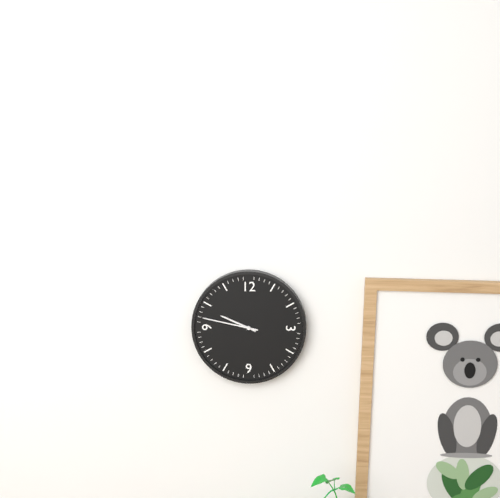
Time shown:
{"hour": 9, "minute": 47}
